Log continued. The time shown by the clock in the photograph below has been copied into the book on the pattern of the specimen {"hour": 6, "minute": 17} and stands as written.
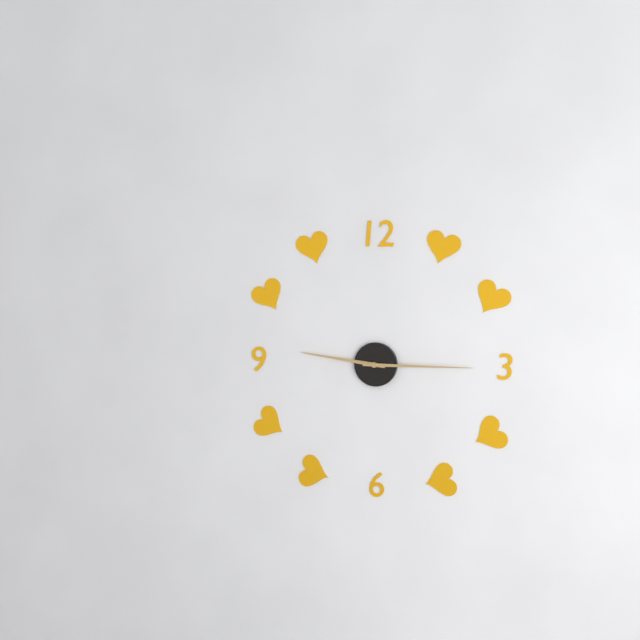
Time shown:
{"hour": 9, "minute": 15}
